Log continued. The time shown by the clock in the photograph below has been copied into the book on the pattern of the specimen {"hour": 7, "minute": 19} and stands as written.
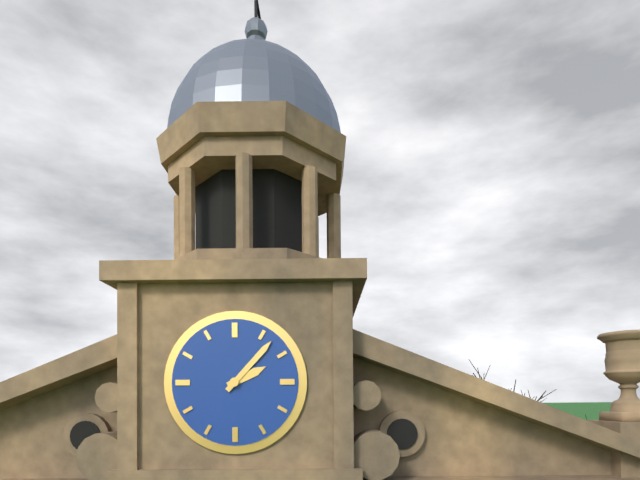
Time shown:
{"hour": 2, "minute": 7}
